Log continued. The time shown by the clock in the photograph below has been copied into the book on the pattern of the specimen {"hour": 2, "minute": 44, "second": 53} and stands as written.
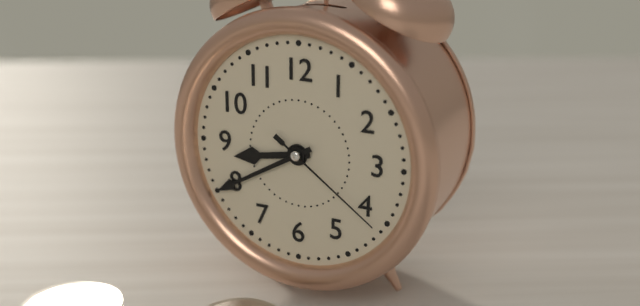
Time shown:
{"hour": 8, "minute": 40, "second": 21}
